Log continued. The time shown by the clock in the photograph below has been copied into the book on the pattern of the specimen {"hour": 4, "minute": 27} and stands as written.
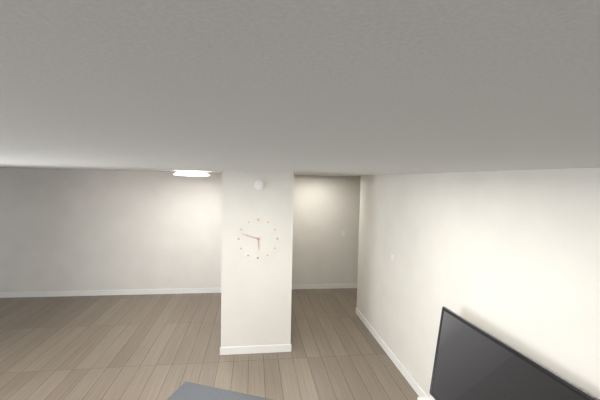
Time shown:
{"hour": 5, "minute": 48}
